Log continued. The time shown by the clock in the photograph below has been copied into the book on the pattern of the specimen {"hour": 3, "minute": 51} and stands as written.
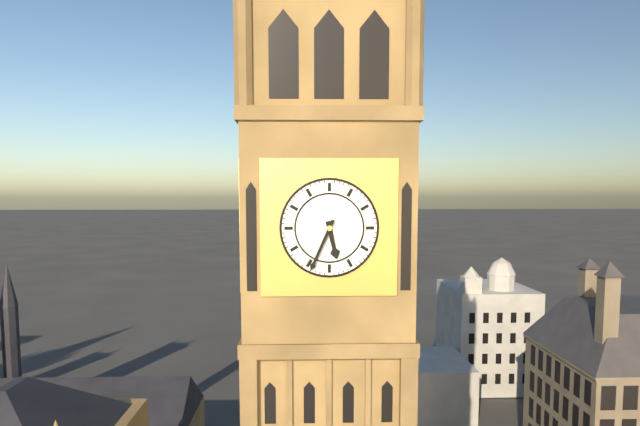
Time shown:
{"hour": 5, "minute": 34}
